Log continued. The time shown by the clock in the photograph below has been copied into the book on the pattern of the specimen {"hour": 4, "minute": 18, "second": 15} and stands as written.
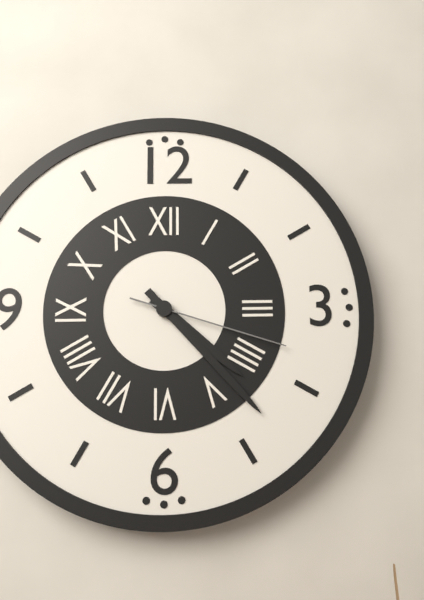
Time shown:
{"hour": 4, "minute": 23, "second": 18}
